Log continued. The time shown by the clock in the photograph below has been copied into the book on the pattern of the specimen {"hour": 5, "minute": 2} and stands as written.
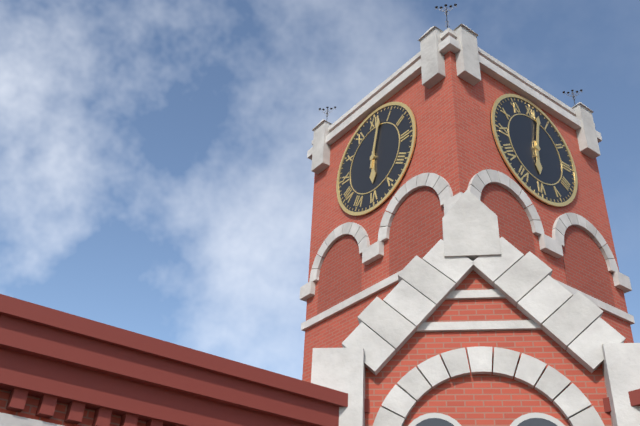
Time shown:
{"hour": 6, "minute": 2}
